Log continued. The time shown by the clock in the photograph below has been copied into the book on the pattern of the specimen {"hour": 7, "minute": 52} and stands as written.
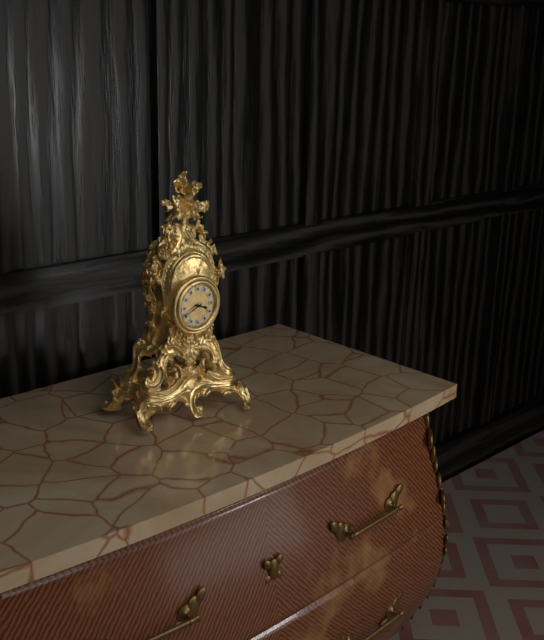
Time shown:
{"hour": 3, "minute": 41}
